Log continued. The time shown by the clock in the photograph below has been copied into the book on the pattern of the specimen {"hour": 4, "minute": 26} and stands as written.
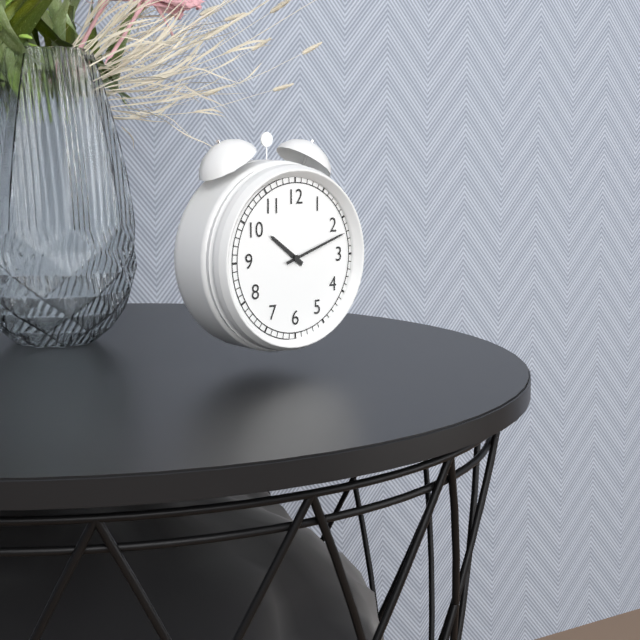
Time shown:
{"hour": 10, "minute": 12}
